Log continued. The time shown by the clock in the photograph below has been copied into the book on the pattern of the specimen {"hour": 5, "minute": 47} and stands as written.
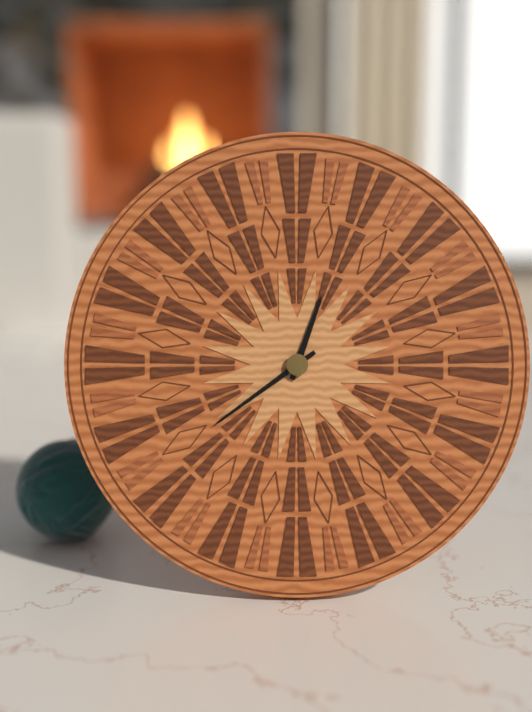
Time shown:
{"hour": 12, "minute": 39}
